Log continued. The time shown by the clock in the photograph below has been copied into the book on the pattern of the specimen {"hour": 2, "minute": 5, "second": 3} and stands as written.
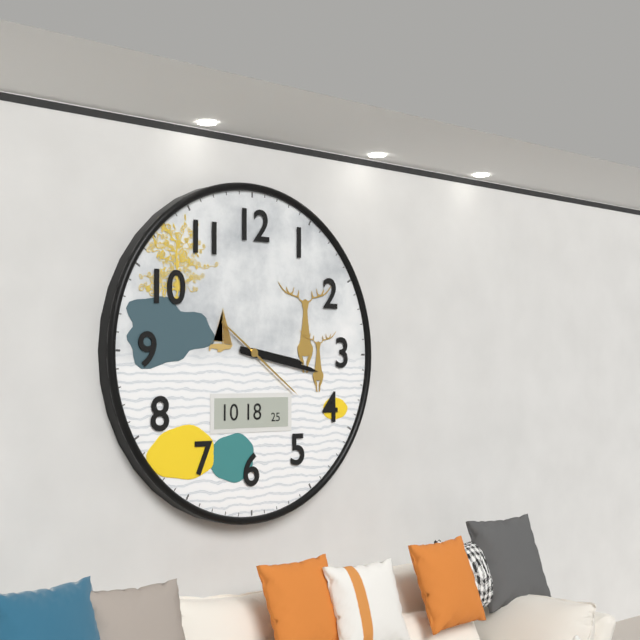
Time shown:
{"hour": 3, "minute": 17, "second": 21}
